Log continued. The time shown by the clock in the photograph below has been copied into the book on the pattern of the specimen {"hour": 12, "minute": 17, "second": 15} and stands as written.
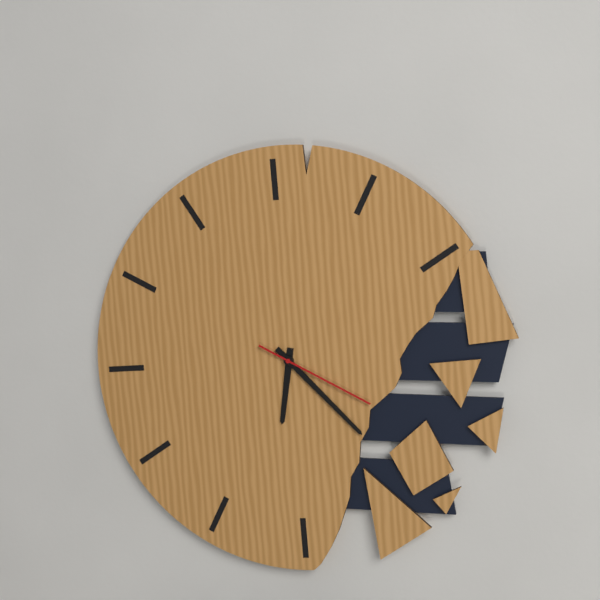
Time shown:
{"hour": 6, "minute": 23, "second": 20}
